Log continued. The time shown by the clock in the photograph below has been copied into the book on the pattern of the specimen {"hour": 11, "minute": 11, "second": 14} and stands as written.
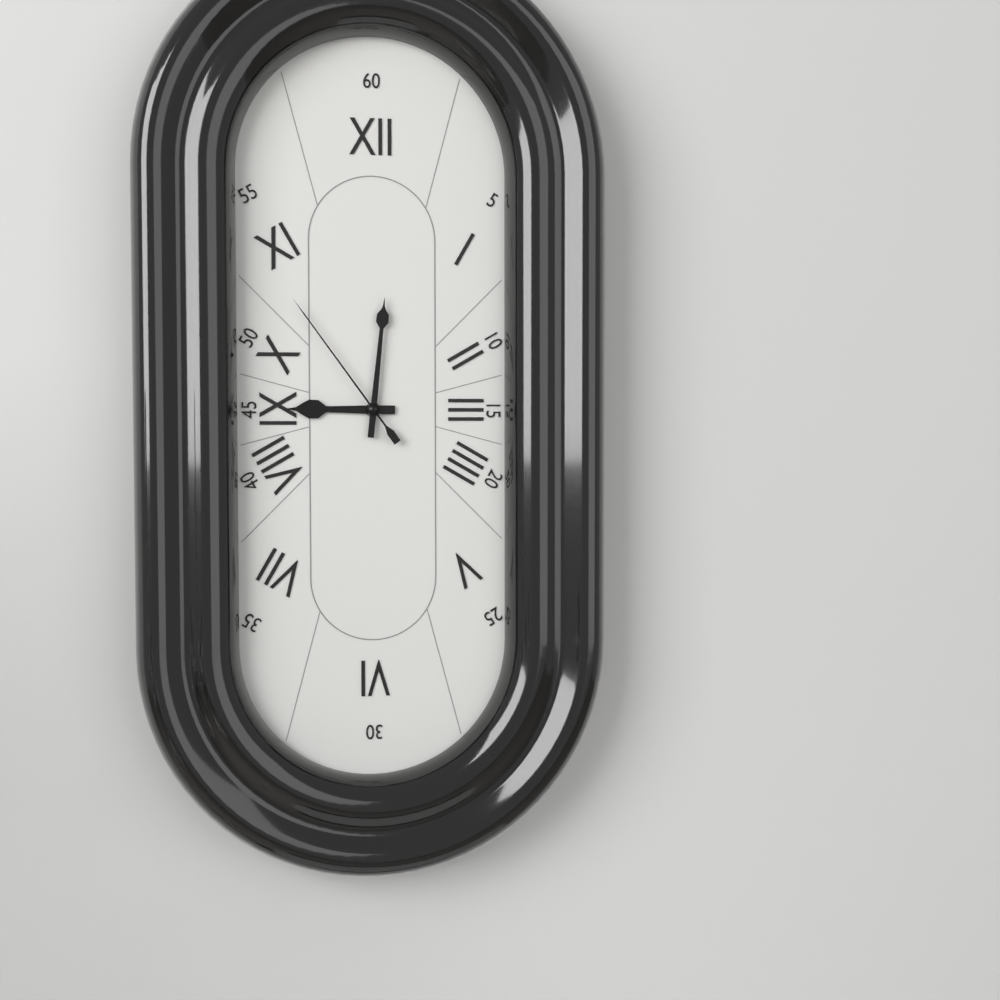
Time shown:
{"hour": 9, "minute": 1, "second": 54}
